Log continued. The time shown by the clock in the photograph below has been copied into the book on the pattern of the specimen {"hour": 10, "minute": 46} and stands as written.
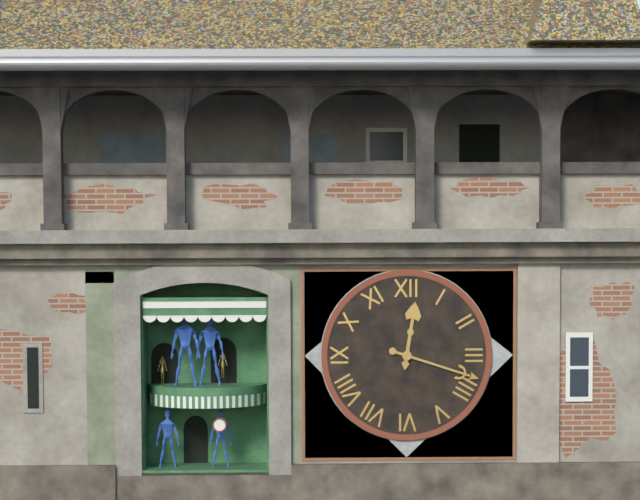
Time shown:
{"hour": 12, "minute": 18}
